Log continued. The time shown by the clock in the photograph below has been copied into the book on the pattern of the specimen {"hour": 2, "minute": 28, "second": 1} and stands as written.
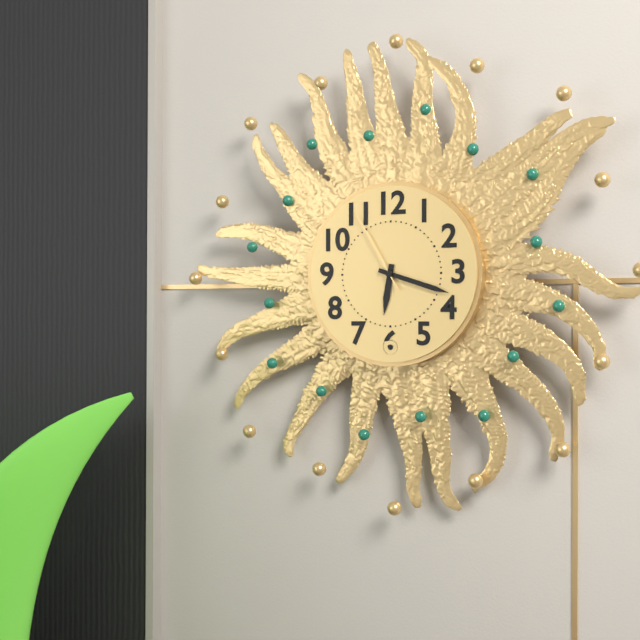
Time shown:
{"hour": 6, "minute": 18, "second": 55}
